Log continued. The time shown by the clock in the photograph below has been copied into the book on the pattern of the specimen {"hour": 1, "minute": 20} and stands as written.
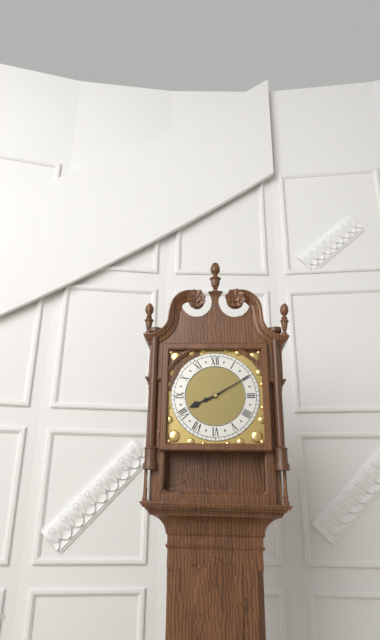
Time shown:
{"hour": 8, "minute": 10}
